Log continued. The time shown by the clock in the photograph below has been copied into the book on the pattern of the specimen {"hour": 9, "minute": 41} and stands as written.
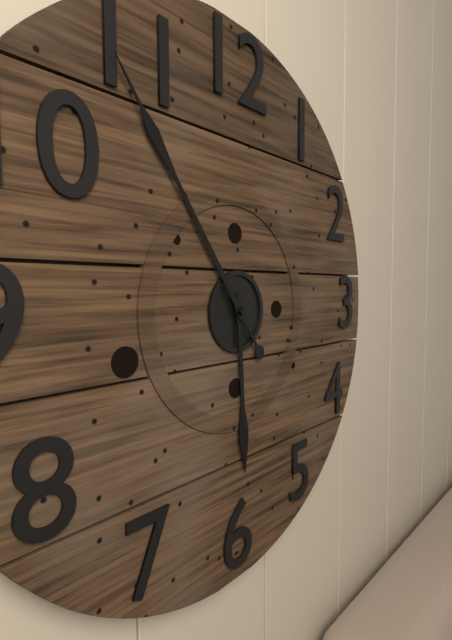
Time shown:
{"hour": 5, "minute": 54}
